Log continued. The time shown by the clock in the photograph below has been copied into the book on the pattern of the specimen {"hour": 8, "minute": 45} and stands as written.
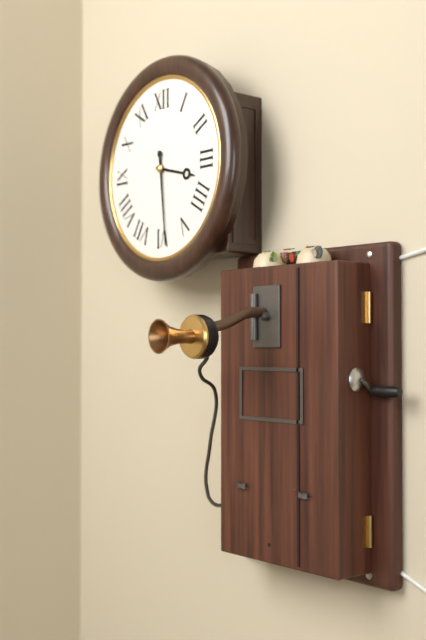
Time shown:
{"hour": 3, "minute": 29}
